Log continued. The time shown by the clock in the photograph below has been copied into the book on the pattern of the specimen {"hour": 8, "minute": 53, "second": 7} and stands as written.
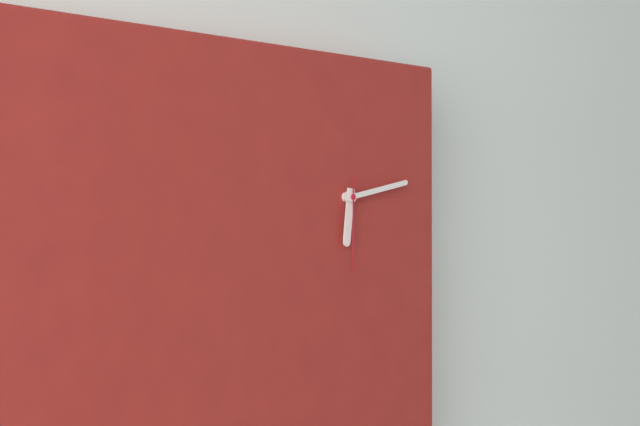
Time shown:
{"hour": 6, "minute": 13, "second": 30}
